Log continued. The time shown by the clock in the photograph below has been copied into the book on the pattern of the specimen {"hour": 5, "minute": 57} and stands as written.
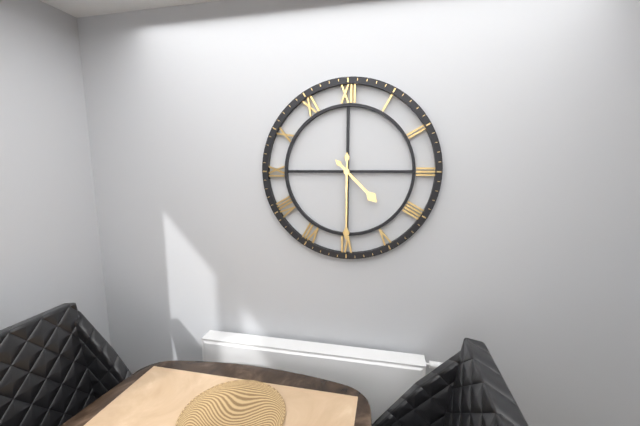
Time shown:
{"hour": 4, "minute": 30}
